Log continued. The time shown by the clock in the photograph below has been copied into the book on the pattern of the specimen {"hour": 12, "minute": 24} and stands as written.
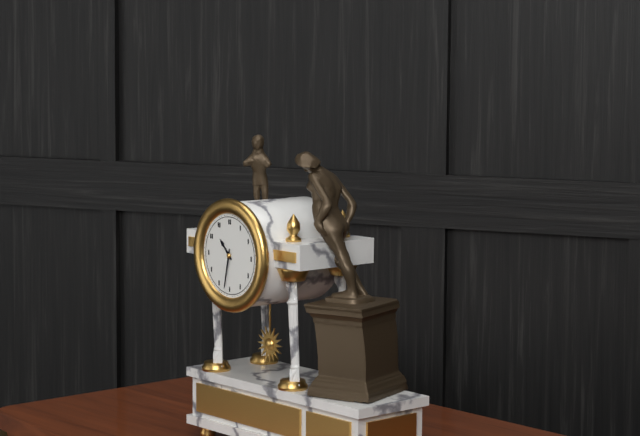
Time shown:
{"hour": 10, "minute": 32}
